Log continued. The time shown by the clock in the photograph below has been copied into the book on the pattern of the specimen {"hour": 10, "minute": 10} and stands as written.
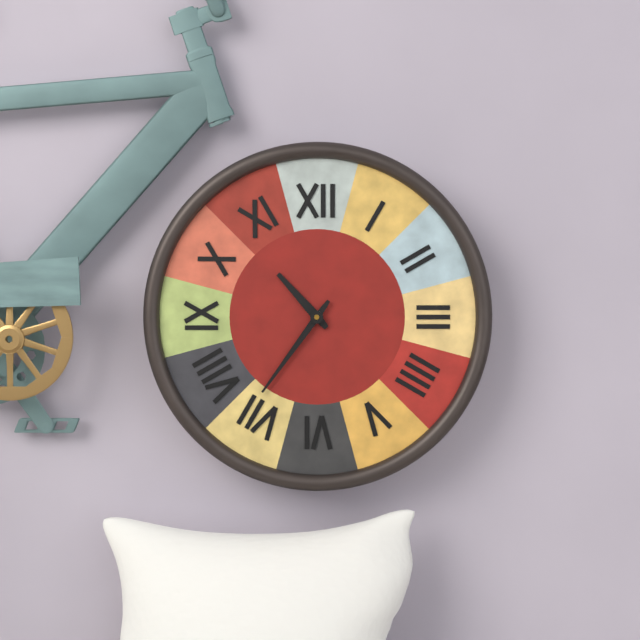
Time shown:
{"hour": 10, "minute": 36}
